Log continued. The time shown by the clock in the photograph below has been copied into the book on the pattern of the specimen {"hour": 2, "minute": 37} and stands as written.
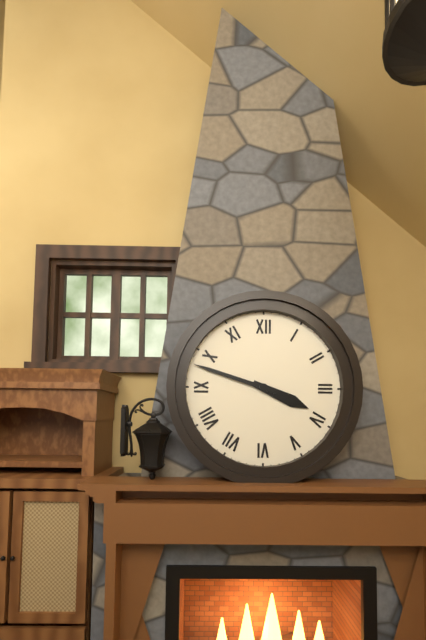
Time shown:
{"hour": 3, "minute": 48}
